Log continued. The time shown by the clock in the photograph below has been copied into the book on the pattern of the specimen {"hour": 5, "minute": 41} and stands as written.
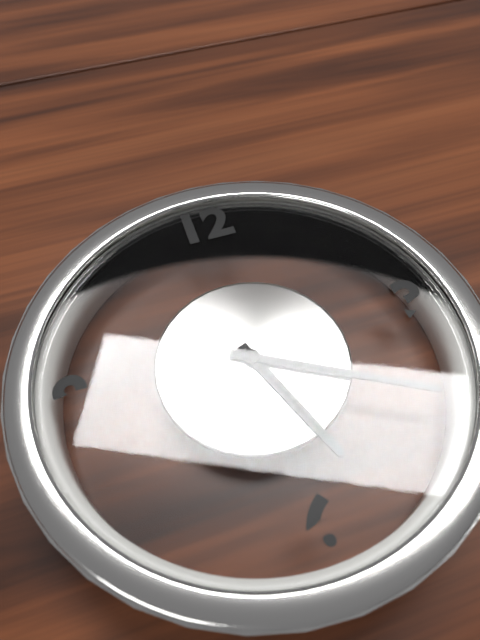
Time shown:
{"hour": 5, "minute": 20}
